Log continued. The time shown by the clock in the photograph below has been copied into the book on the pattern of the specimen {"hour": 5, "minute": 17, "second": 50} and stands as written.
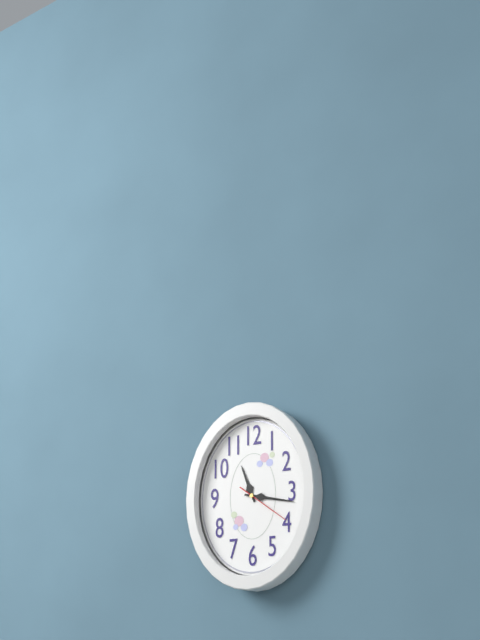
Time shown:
{"hour": 11, "minute": 17, "second": 21}
